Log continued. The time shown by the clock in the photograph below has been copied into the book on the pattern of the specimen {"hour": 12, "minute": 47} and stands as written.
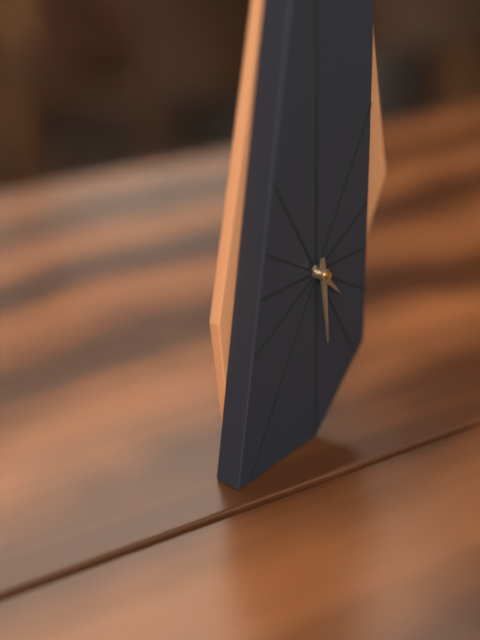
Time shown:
{"hour": 4, "minute": 29}
